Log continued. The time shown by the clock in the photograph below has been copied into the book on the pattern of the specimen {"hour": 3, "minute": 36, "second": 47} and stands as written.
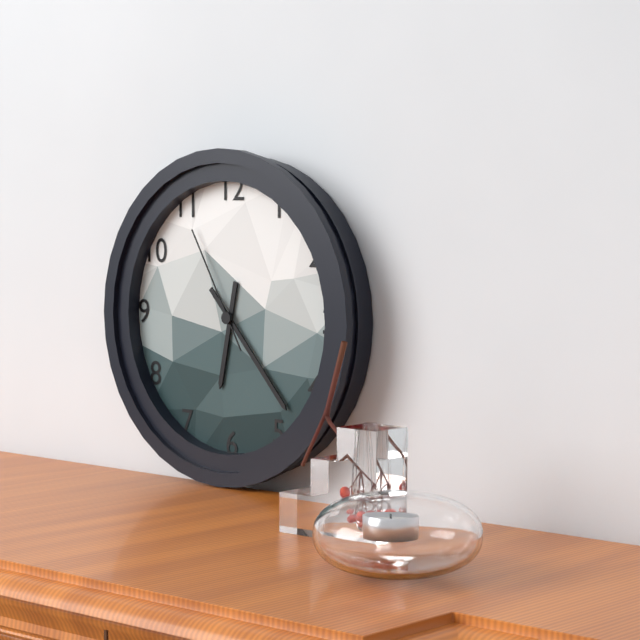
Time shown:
{"hour": 6, "minute": 23, "second": 55}
